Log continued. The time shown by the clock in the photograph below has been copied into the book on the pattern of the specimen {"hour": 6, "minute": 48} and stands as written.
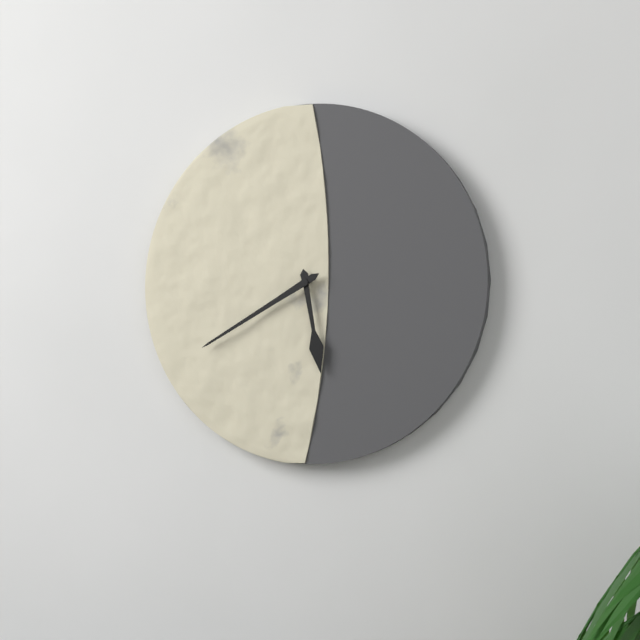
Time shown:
{"hour": 5, "minute": 40}
